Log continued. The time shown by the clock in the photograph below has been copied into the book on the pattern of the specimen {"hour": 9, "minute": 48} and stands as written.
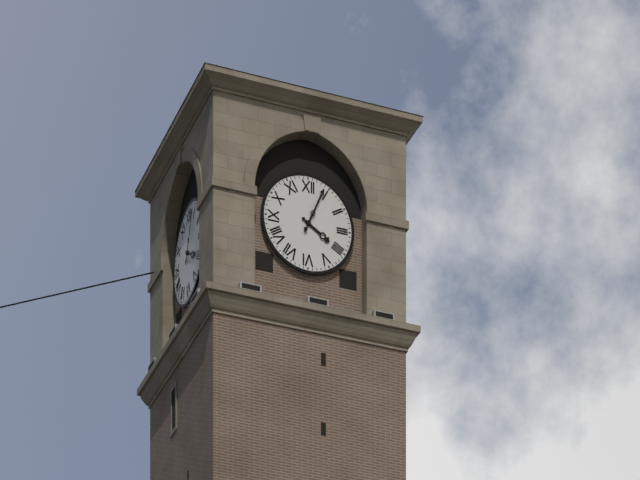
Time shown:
{"hour": 4, "minute": 4}
